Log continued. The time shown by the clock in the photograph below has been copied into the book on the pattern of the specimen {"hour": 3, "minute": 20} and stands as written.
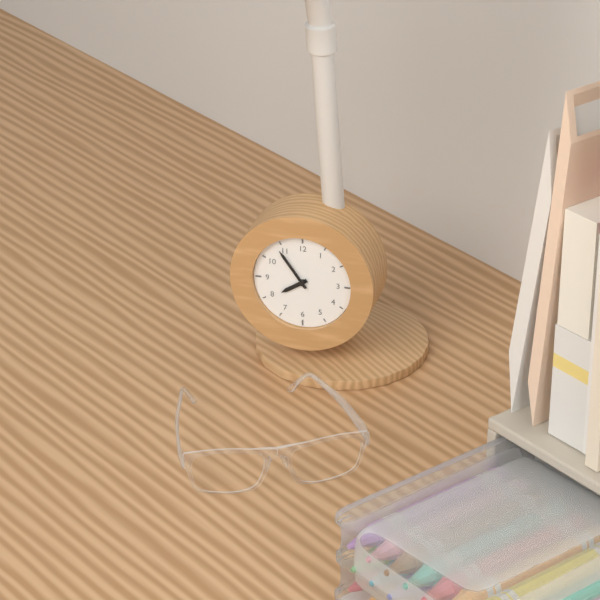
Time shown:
{"hour": 7, "minute": 54}
